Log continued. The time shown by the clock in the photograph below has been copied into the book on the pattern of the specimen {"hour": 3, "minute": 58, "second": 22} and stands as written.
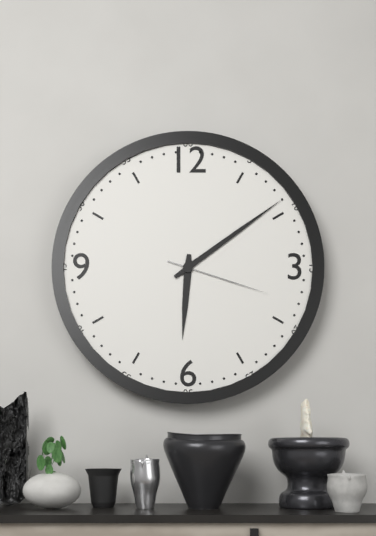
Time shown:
{"hour": 6, "minute": 9, "second": 18}
